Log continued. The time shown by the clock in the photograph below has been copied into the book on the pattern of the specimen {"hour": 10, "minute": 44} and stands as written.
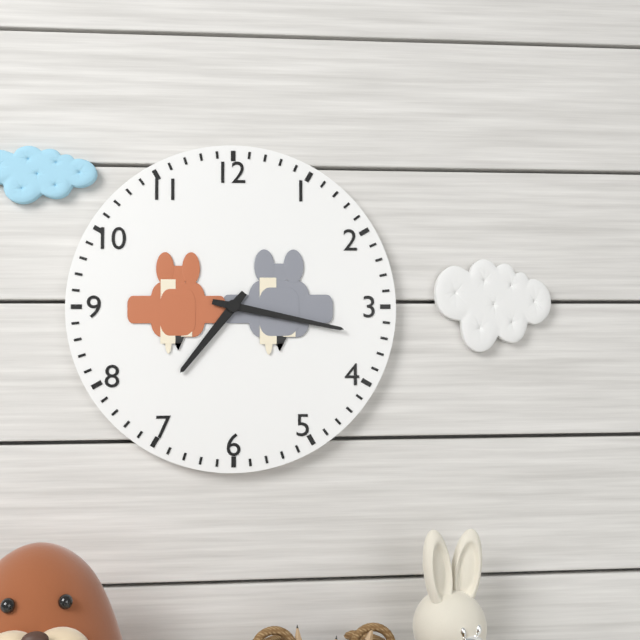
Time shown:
{"hour": 7, "minute": 17}
